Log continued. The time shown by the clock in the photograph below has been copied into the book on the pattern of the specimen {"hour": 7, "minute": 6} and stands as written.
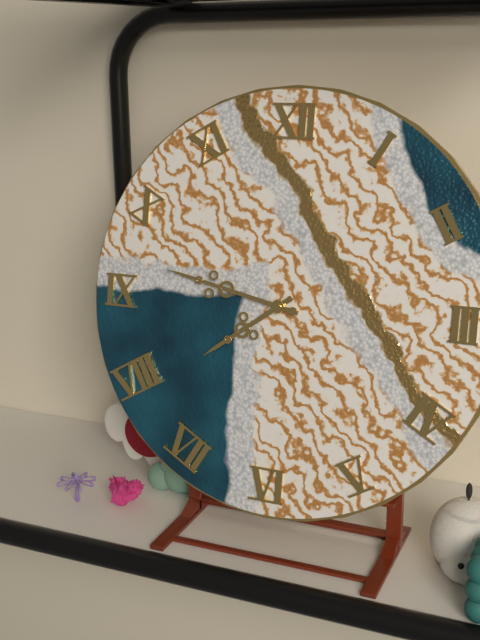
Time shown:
{"hour": 7, "minute": 47}
